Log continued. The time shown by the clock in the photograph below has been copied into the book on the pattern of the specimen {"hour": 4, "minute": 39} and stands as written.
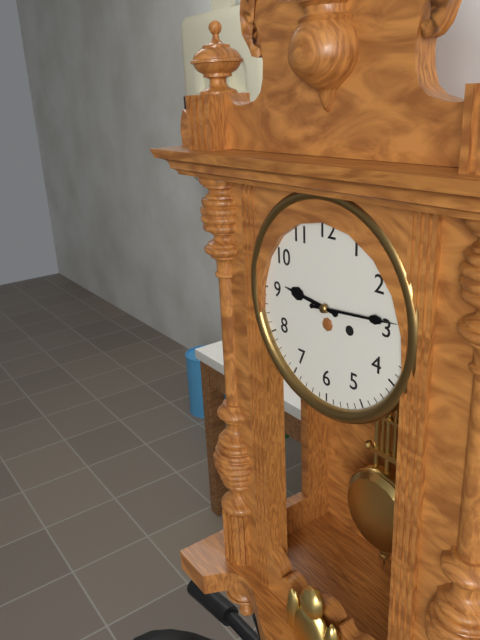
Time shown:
{"hour": 9, "minute": 14}
